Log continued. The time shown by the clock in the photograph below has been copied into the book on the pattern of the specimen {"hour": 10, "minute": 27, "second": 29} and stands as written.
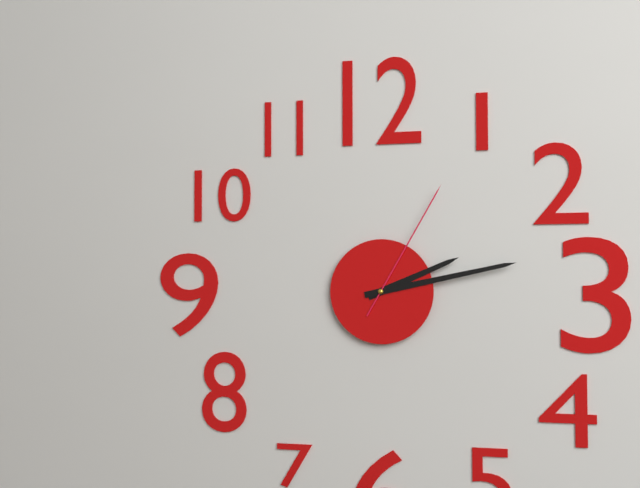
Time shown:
{"hour": 2, "minute": 13, "second": 5}
